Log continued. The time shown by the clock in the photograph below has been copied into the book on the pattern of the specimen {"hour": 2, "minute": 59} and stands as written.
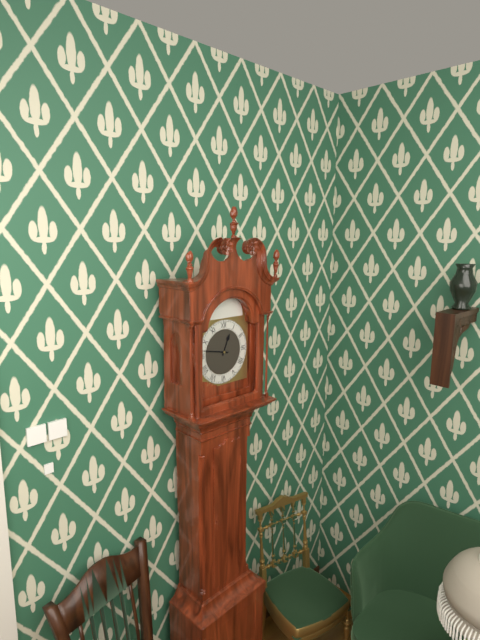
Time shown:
{"hour": 12, "minute": 47}
